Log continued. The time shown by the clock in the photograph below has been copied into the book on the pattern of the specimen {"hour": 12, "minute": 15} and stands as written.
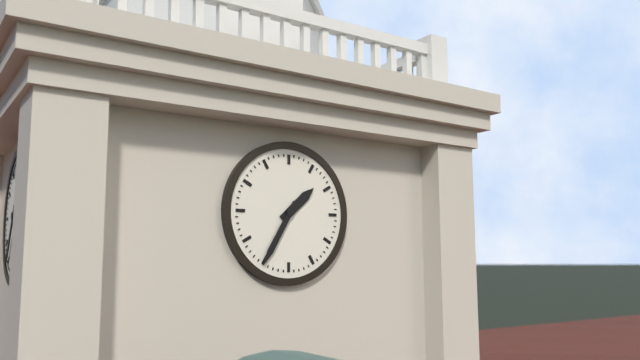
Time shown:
{"hour": 1, "minute": 35}
